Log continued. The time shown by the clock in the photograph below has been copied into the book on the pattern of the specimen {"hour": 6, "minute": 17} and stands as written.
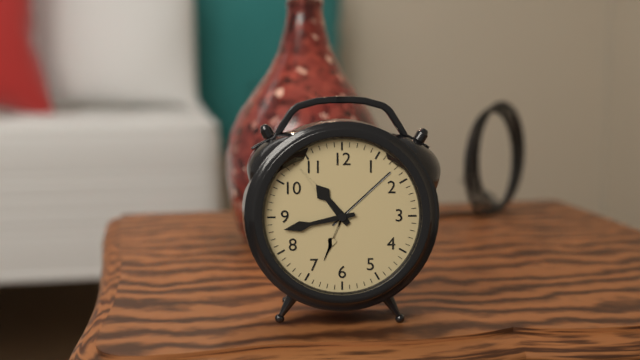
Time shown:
{"hour": 10, "minute": 43}
